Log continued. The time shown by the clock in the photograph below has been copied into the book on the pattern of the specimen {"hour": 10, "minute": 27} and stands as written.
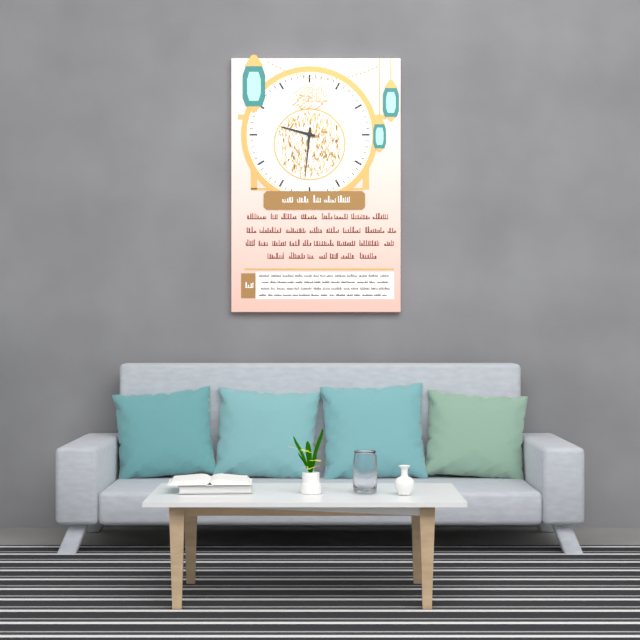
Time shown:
{"hour": 9, "minute": 31}
